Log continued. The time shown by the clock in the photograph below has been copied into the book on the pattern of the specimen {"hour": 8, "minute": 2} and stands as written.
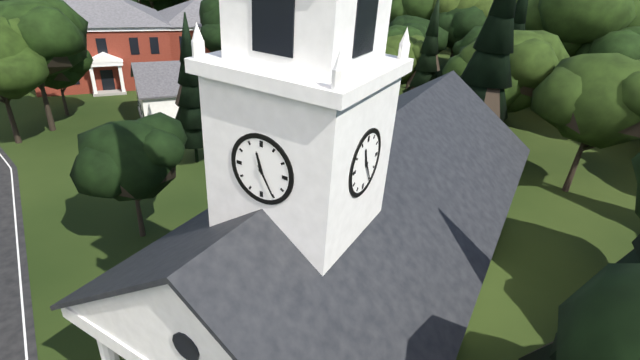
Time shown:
{"hour": 11, "minute": 25}
